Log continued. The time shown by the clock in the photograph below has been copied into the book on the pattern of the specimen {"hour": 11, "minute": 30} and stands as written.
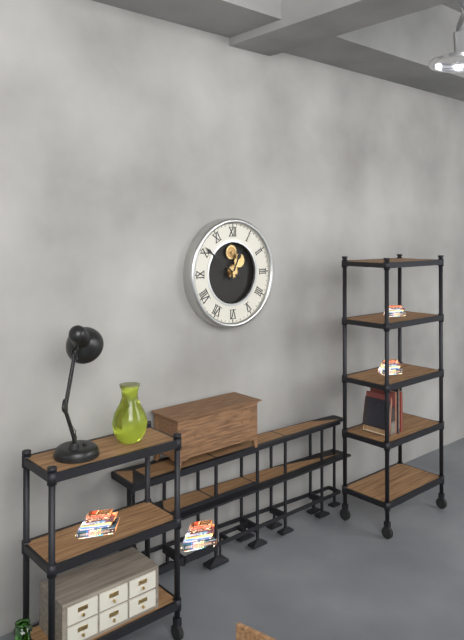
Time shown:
{"hour": 12, "minute": 51}
